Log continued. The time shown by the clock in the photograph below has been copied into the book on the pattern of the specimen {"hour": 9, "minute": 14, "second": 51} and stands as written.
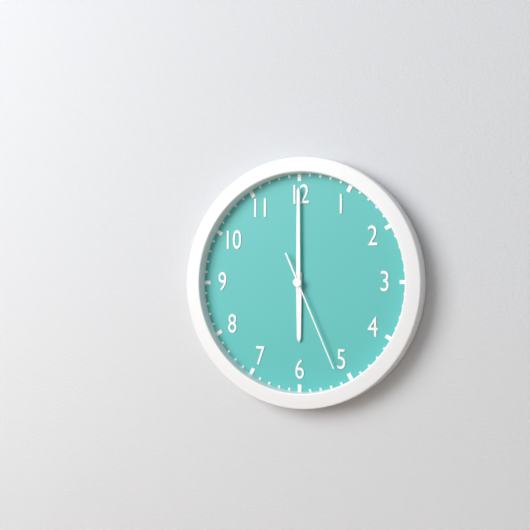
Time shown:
{"hour": 6, "minute": 0, "second": 26}
